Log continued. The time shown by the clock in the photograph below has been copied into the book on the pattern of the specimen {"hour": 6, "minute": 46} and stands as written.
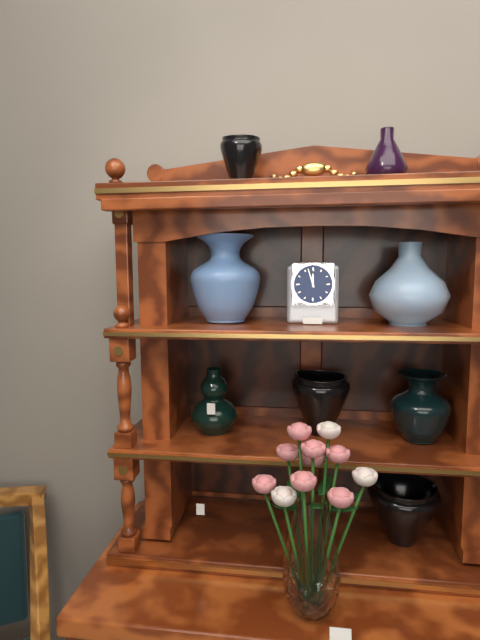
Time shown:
{"hour": 11, "minute": 57}
